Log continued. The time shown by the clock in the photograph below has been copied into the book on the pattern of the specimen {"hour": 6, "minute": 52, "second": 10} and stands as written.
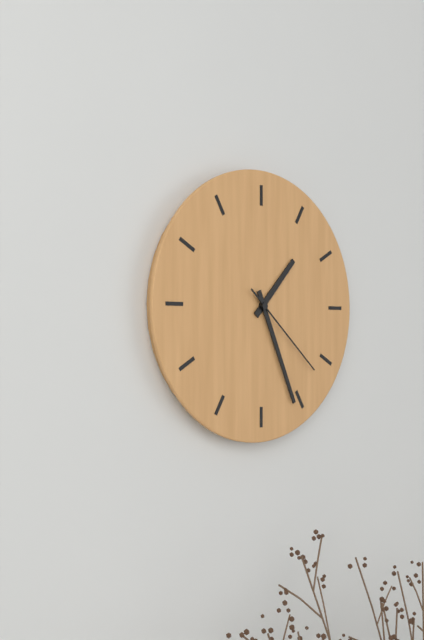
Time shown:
{"hour": 1, "minute": 26, "second": 22}
